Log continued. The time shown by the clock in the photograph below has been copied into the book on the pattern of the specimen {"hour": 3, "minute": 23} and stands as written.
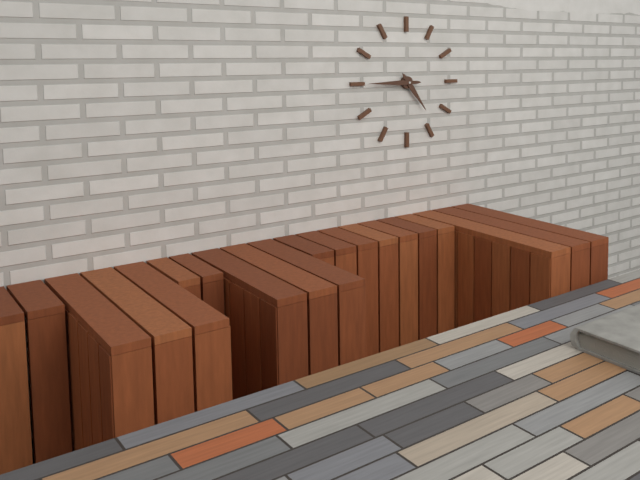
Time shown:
{"hour": 4, "minute": 45}
